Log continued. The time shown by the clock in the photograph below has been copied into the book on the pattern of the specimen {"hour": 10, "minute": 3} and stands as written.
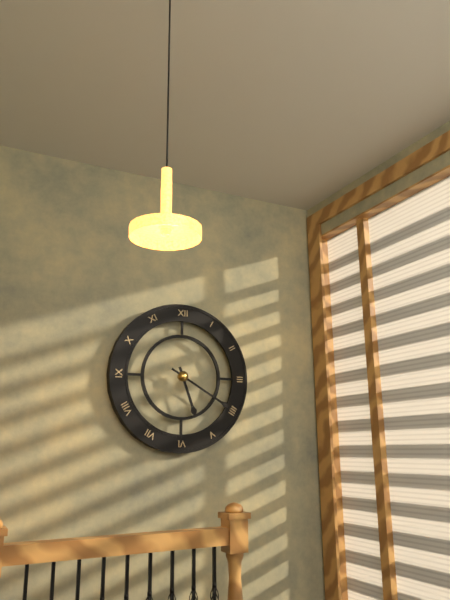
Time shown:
{"hour": 5, "minute": 20}
